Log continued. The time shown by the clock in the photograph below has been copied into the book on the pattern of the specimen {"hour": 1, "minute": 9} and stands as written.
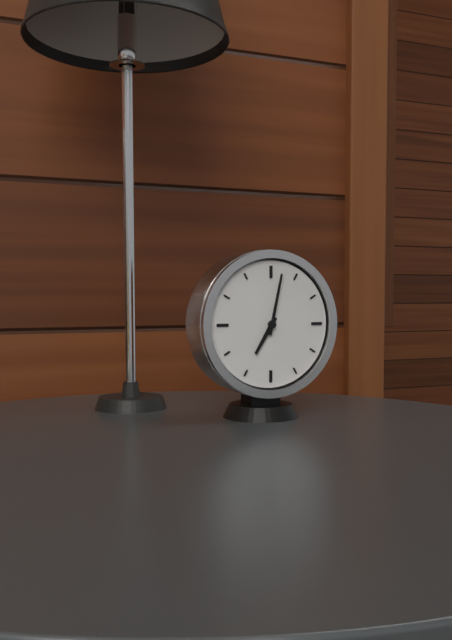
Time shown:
{"hour": 7, "minute": 2}
